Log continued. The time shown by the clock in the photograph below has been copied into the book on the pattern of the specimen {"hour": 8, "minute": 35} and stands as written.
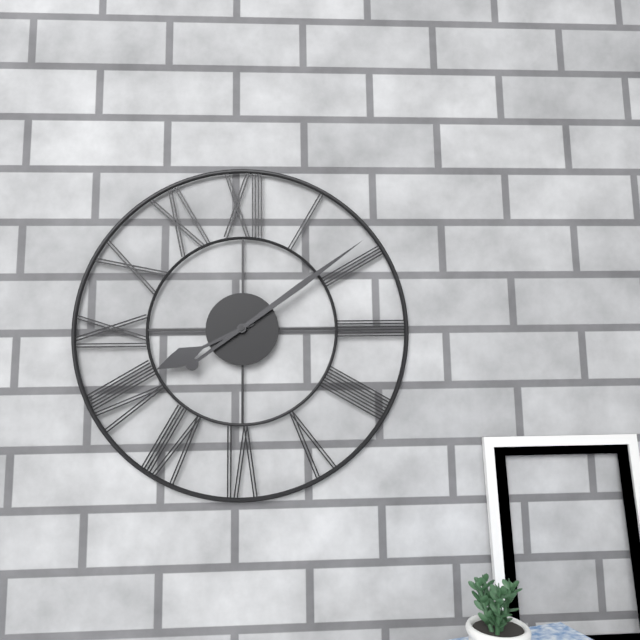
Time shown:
{"hour": 8, "minute": 9}
